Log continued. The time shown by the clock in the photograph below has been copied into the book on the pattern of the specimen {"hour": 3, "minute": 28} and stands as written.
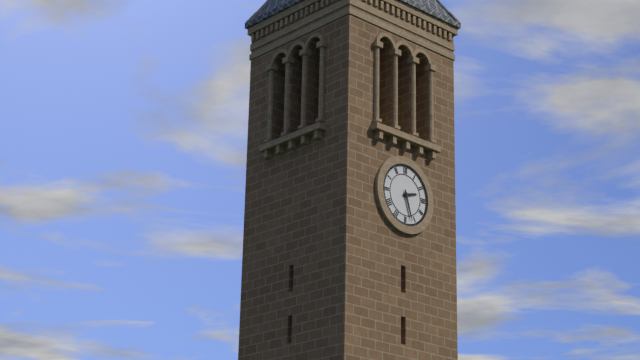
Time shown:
{"hour": 2, "minute": 27}
